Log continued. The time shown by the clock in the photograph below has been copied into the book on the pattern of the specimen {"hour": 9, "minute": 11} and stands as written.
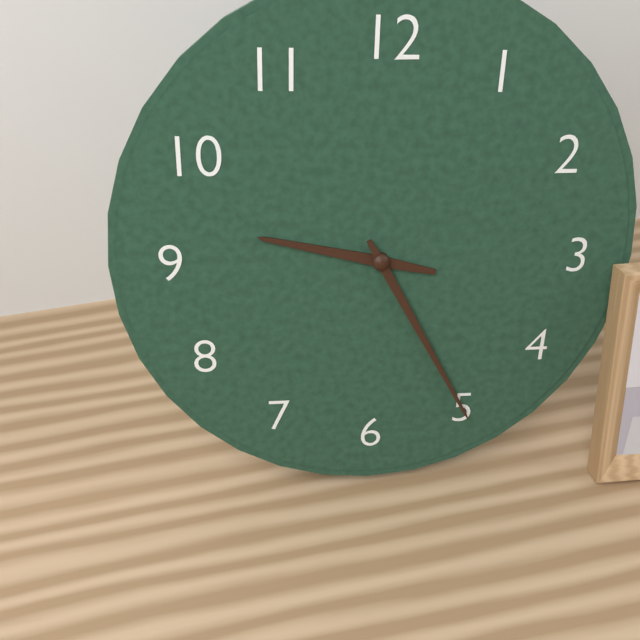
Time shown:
{"hour": 9, "minute": 25}
